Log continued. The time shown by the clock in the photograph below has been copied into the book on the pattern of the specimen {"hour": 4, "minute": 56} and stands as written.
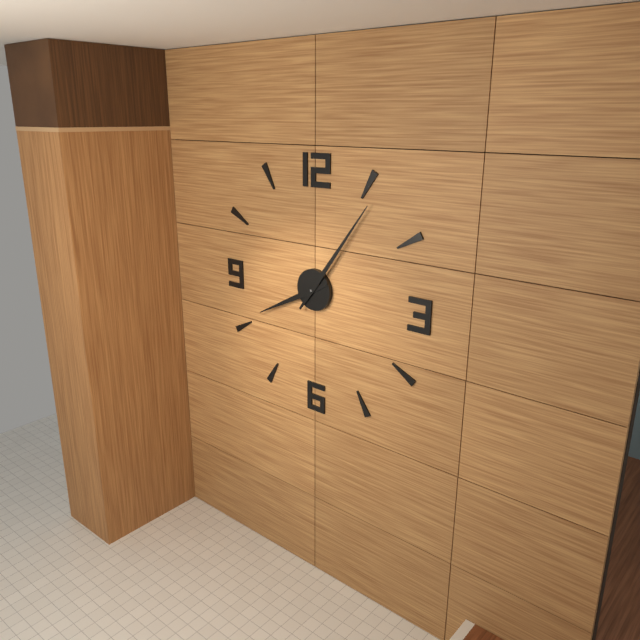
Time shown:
{"hour": 8, "minute": 6}
